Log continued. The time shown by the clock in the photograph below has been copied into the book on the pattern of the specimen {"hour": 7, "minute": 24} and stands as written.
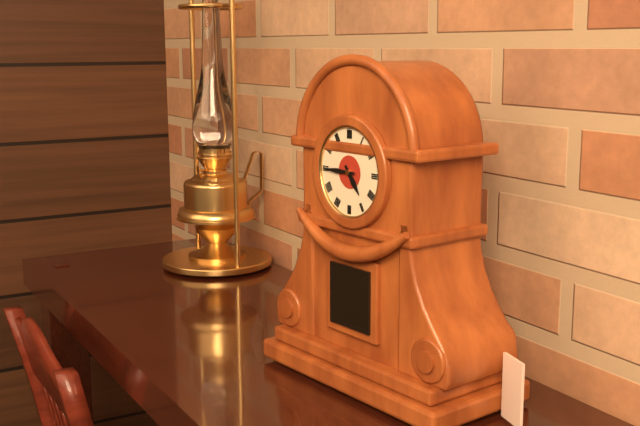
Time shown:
{"hour": 4, "minute": 45}
